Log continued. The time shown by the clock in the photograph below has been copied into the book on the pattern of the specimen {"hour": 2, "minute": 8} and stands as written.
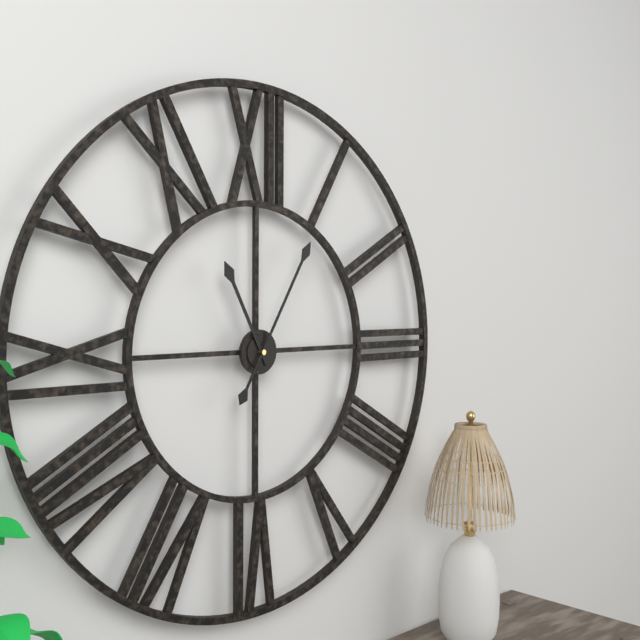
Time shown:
{"hour": 11, "minute": 5}
